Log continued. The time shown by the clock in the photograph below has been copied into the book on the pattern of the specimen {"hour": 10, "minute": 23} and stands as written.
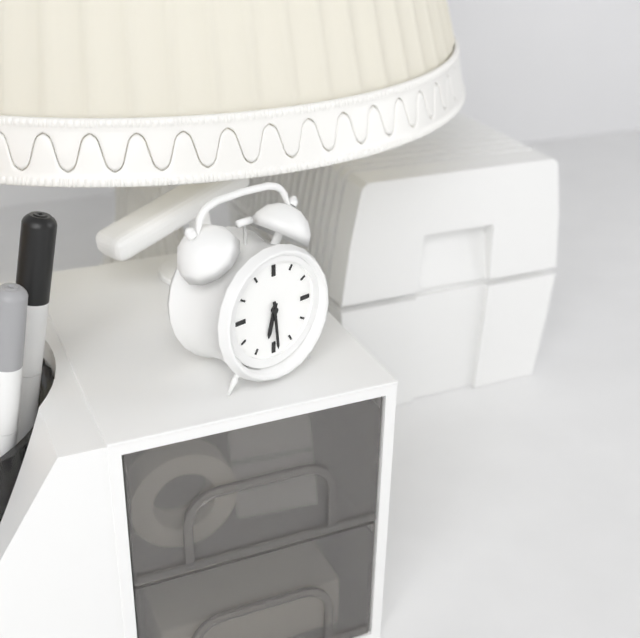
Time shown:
{"hour": 6, "minute": 29}
